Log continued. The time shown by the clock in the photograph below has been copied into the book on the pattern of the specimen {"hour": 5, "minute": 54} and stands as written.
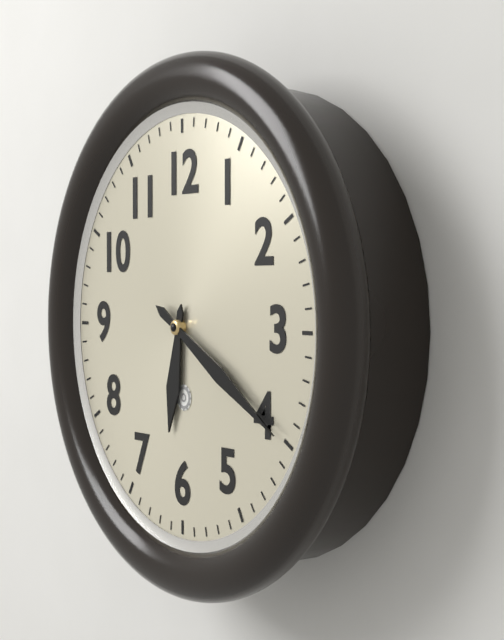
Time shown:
{"hour": 6, "minute": 20}
